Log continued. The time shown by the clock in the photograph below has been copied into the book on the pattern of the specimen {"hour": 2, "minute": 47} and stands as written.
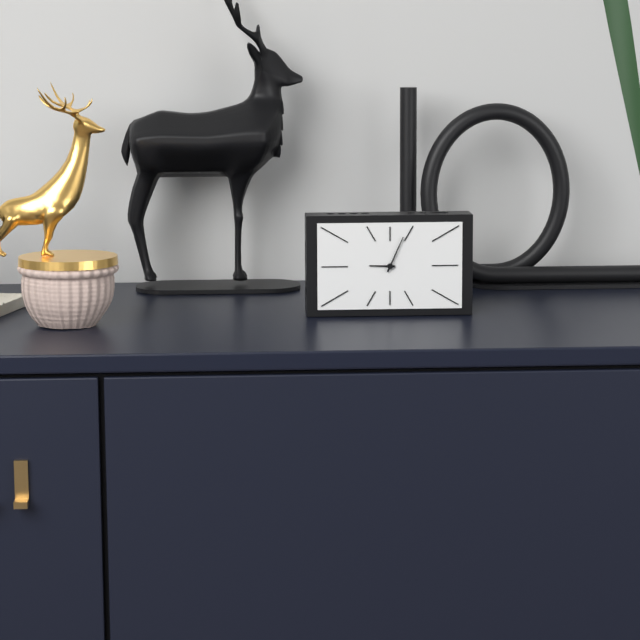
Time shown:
{"hour": 9, "minute": 4}
